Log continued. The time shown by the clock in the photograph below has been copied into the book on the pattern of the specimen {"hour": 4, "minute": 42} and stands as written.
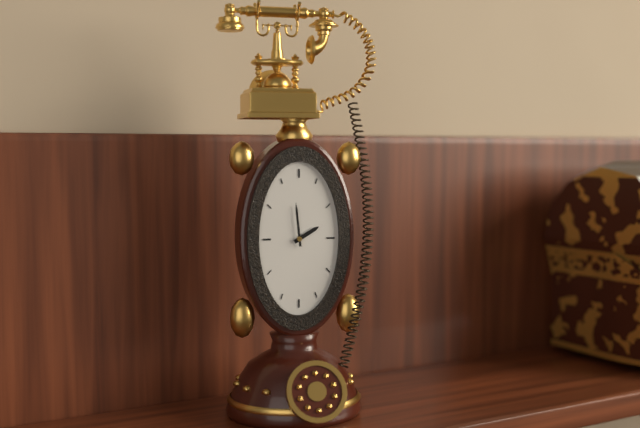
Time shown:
{"hour": 1, "minute": 59}
